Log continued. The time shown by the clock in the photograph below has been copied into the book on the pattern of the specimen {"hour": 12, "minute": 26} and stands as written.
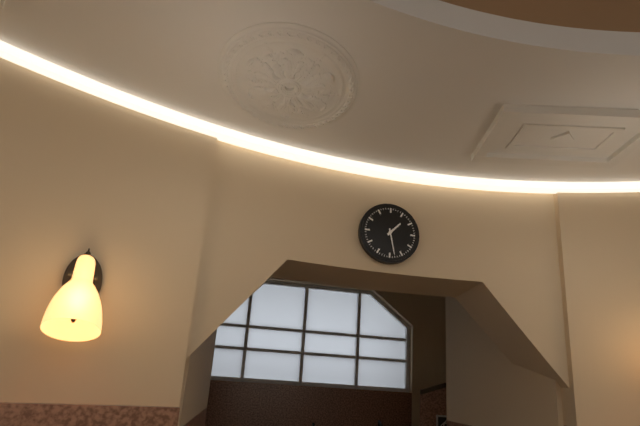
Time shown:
{"hour": 1, "minute": 28}
